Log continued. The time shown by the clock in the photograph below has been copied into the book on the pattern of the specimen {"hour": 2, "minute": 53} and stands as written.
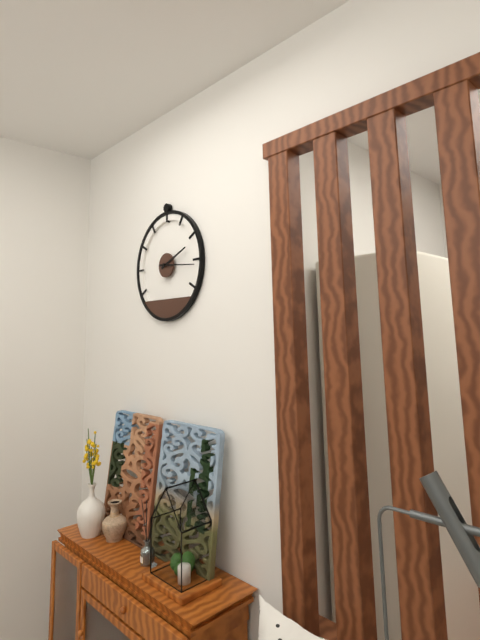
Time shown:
{"hour": 2, "minute": 16}
